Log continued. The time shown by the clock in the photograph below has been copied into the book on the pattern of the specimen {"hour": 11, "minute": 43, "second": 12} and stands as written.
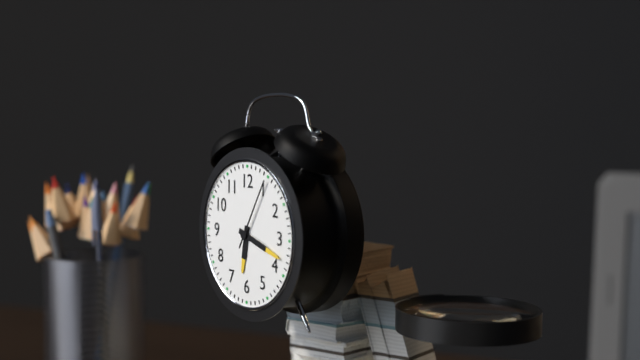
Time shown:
{"hour": 6, "minute": 18, "second": 5}
